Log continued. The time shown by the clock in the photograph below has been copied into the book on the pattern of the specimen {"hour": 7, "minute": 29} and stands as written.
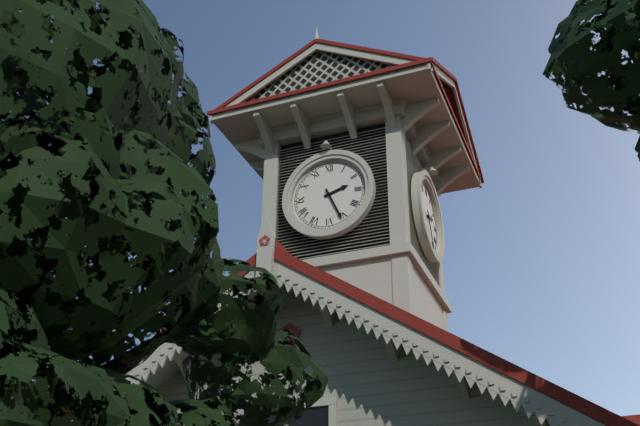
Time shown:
{"hour": 2, "minute": 26}
